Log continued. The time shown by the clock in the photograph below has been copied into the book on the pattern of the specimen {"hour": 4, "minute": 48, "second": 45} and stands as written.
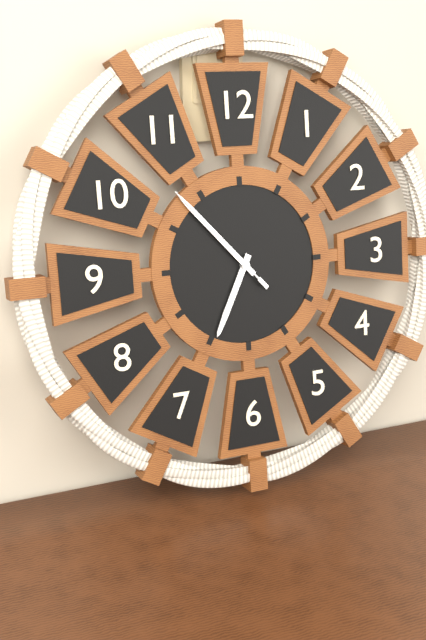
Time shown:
{"hour": 6, "minute": 53, "second": 53}
